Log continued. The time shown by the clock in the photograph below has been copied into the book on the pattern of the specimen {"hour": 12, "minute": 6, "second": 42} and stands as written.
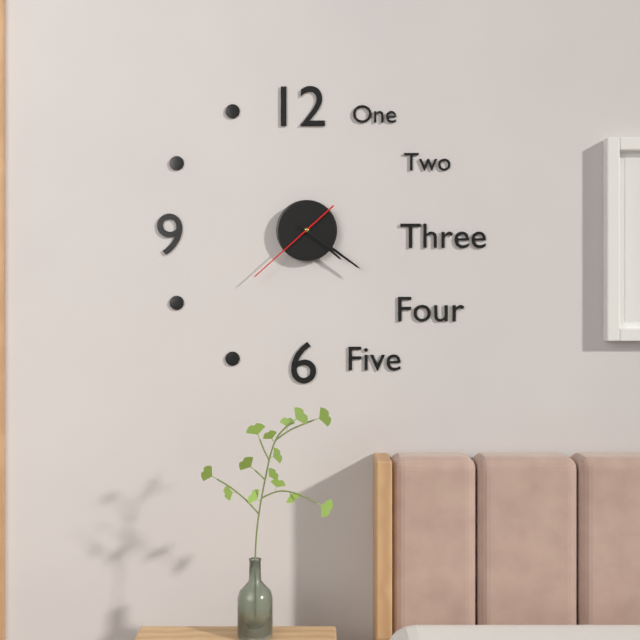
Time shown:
{"hour": 4, "minute": 21, "second": 38}
